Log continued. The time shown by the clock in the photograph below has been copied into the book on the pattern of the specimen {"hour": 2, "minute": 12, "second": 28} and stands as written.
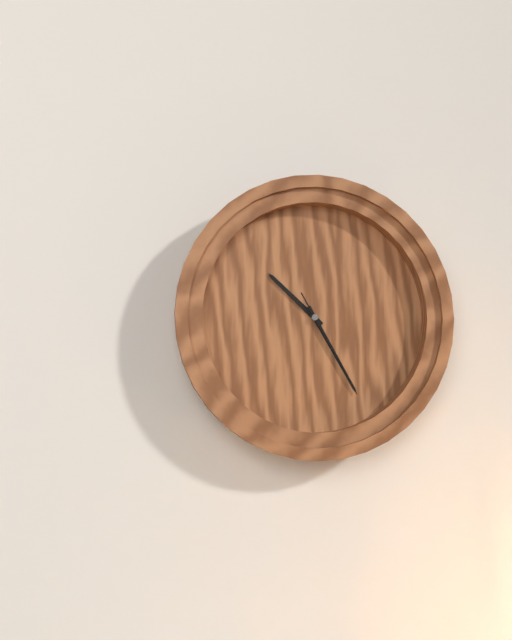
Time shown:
{"hour": 10, "minute": 25, "second": 25}
